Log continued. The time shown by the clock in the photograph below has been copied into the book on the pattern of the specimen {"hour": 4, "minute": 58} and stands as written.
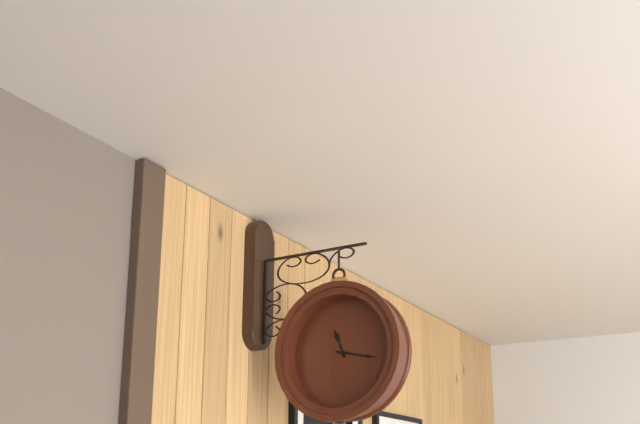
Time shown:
{"hour": 11, "minute": 17}
